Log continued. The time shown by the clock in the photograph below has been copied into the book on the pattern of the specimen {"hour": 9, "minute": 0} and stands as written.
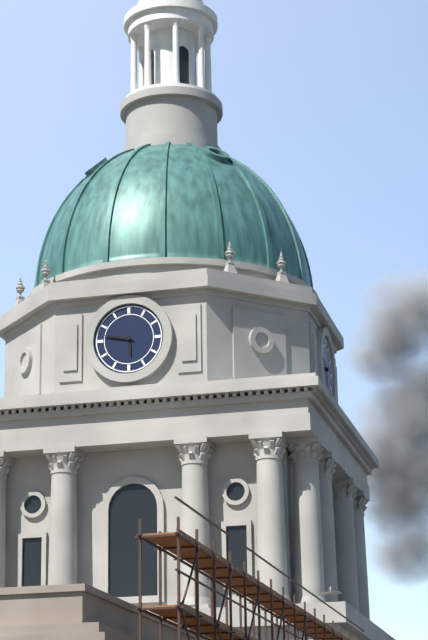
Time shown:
{"hour": 5, "minute": 47}
